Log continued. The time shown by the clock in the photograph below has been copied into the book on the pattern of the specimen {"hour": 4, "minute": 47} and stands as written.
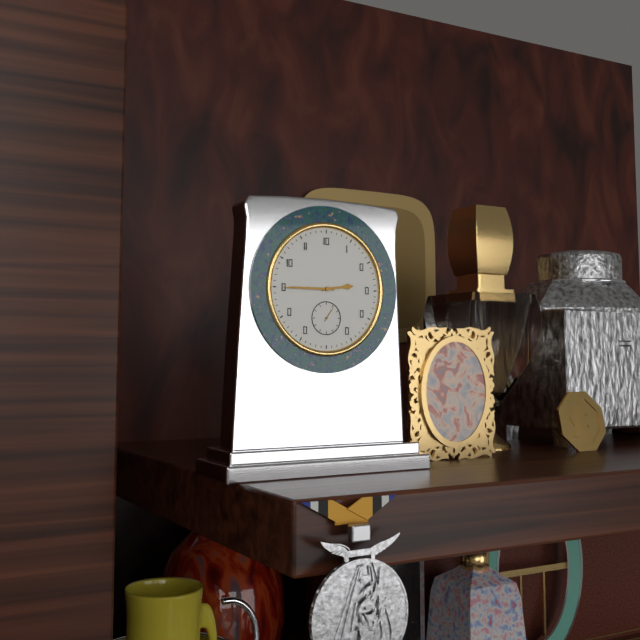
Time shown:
{"hour": 2, "minute": 45}
